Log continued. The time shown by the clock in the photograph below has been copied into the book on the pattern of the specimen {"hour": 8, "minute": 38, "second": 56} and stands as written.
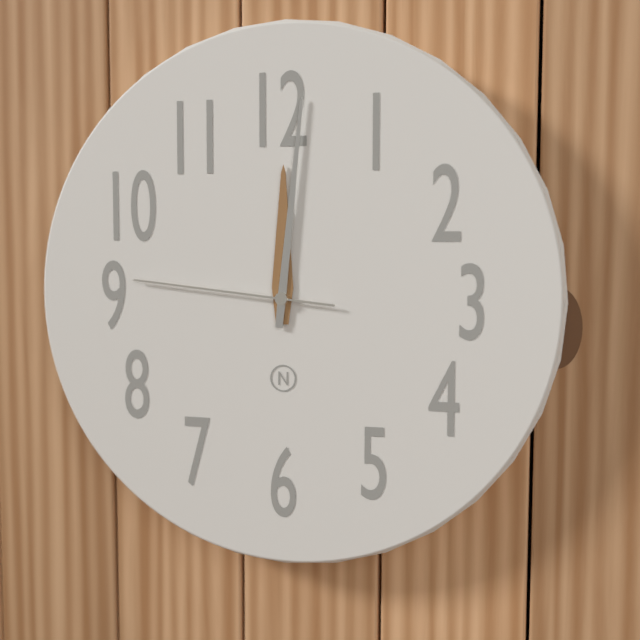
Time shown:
{"hour": 12, "minute": 1, "second": 46}
